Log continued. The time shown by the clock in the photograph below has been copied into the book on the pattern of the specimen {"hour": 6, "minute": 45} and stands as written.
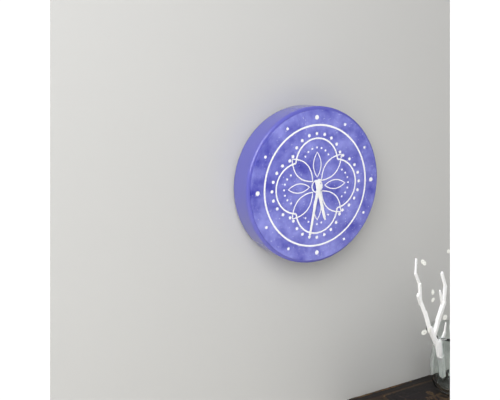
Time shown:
{"hour": 5, "minute": 32}
